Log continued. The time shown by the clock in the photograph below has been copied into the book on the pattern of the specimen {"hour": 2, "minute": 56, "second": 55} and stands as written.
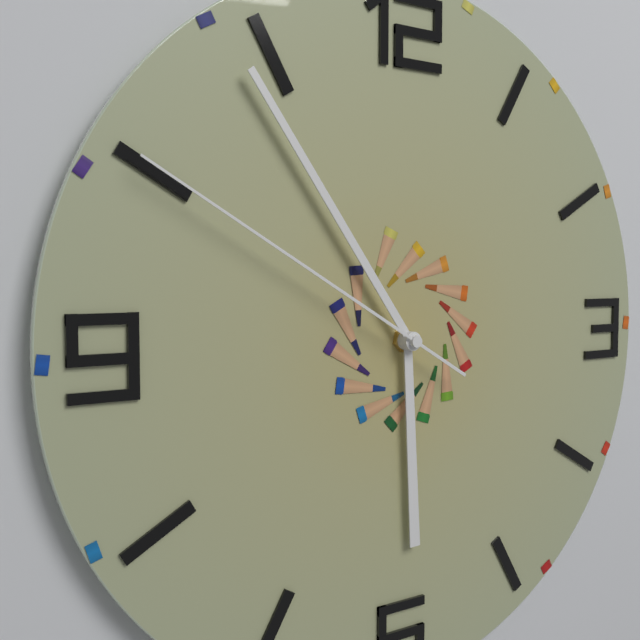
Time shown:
{"hour": 5, "minute": 54, "second": 50}
